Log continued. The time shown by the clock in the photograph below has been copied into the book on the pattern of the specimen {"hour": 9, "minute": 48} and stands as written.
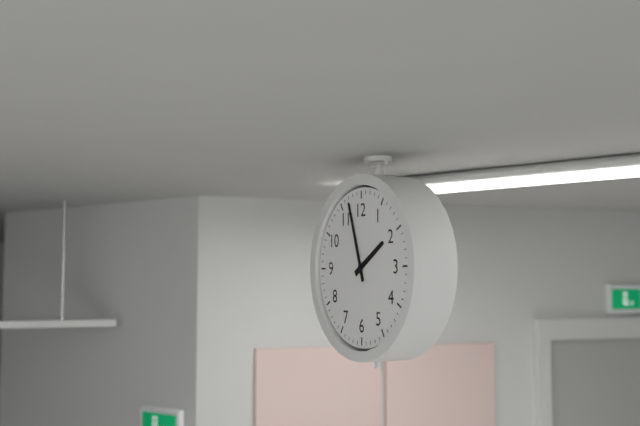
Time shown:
{"hour": 1, "minute": 57}
